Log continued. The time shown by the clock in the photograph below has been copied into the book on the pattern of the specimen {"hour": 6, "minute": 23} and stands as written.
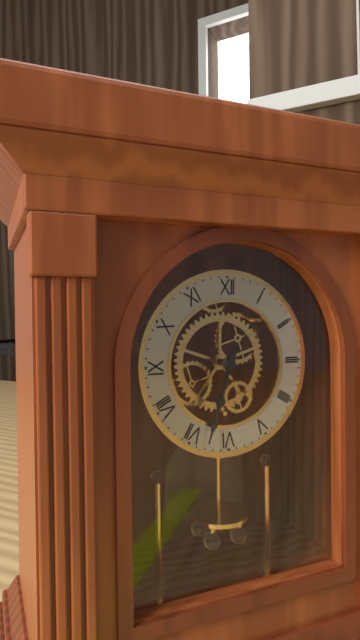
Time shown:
{"hour": 6, "minute": 33}
